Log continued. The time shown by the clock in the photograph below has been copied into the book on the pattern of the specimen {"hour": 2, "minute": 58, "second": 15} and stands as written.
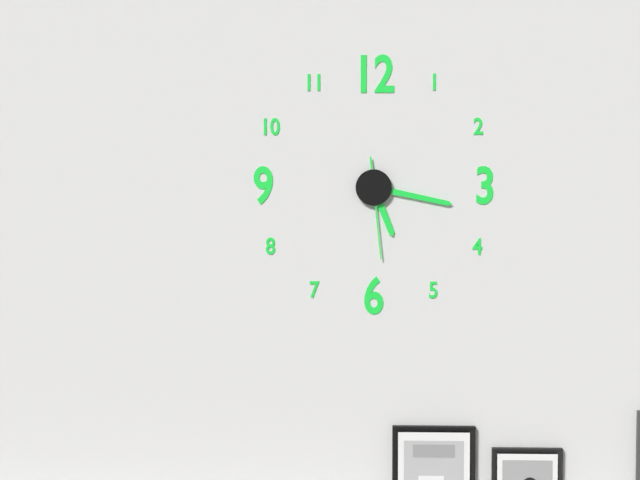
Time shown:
{"hour": 5, "minute": 17, "second": 29}
